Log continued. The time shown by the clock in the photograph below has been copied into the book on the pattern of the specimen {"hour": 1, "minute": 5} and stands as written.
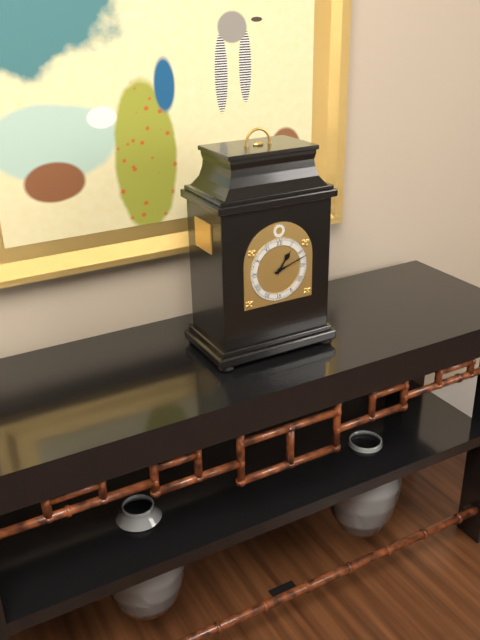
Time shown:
{"hour": 1, "minute": 12}
